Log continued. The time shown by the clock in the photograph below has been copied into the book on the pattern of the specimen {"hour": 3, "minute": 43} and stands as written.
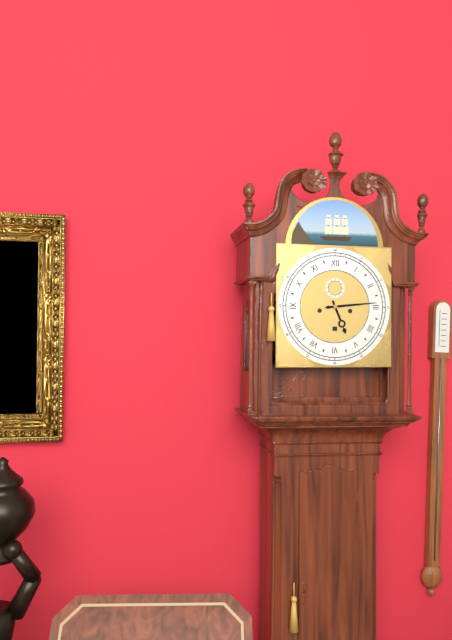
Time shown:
{"hour": 5, "minute": 14}
